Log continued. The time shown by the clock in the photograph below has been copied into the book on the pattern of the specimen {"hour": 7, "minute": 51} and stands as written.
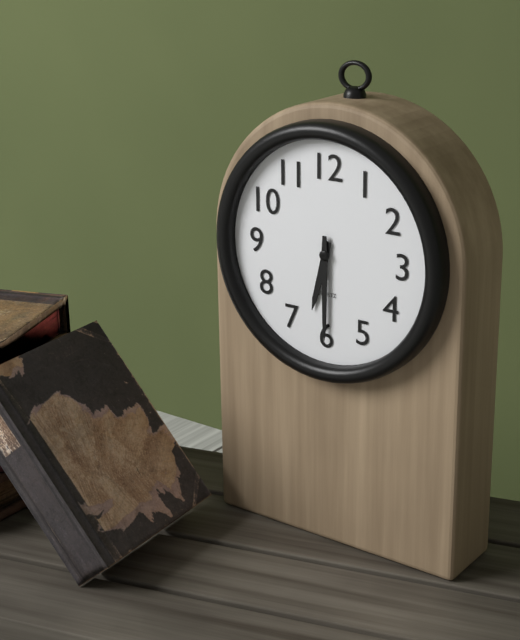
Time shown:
{"hour": 6, "minute": 30}
